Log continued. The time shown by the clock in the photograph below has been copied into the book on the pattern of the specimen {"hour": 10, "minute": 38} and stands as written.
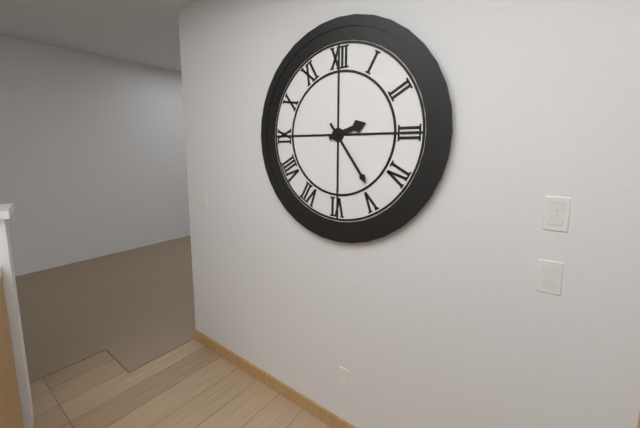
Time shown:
{"hour": 2, "minute": 24}
